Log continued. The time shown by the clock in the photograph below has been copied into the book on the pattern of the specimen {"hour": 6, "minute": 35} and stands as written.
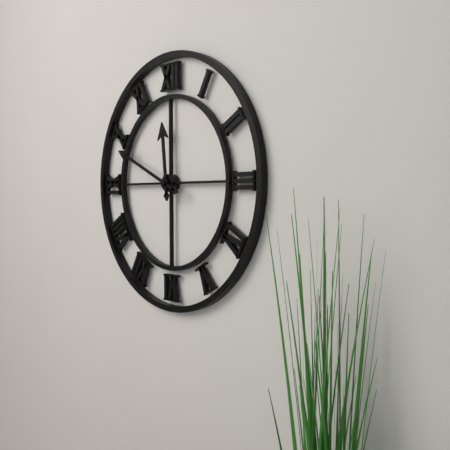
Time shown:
{"hour": 11, "minute": 49}
